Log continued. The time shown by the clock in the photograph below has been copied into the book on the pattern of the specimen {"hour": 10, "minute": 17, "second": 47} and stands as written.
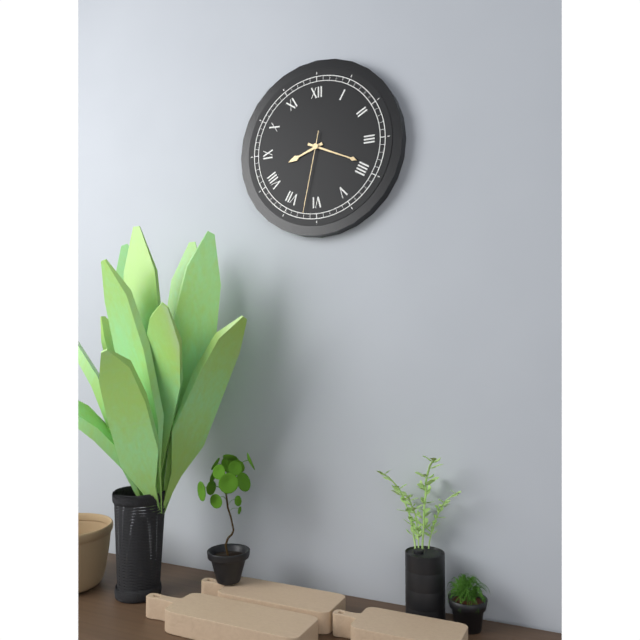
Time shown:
{"hour": 8, "minute": 19, "second": 32}
